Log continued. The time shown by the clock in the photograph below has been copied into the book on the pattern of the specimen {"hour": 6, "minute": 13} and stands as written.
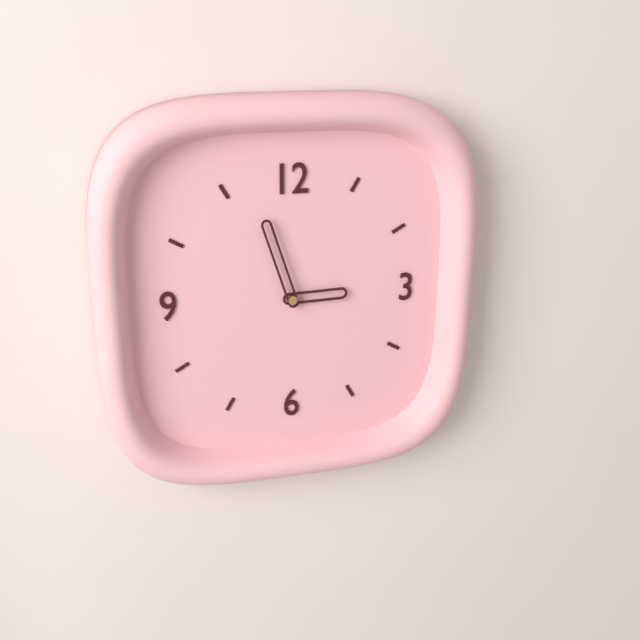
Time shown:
{"hour": 2, "minute": 57}
